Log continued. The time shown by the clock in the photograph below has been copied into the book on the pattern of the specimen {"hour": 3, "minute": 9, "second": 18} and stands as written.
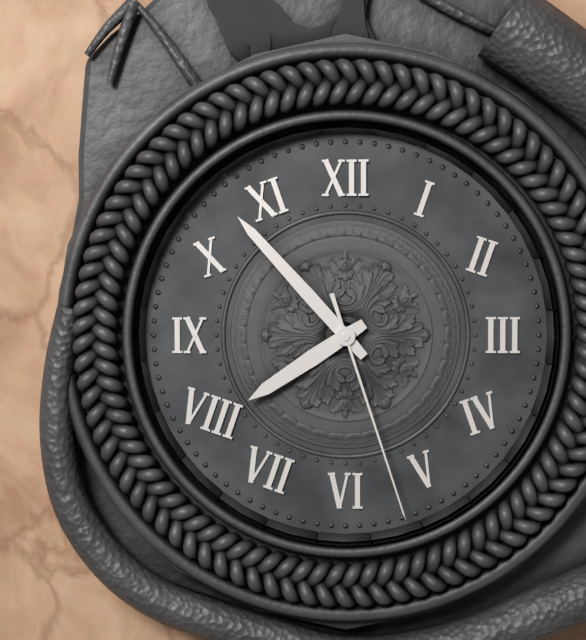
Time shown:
{"hour": 7, "minute": 53, "second": 27}
